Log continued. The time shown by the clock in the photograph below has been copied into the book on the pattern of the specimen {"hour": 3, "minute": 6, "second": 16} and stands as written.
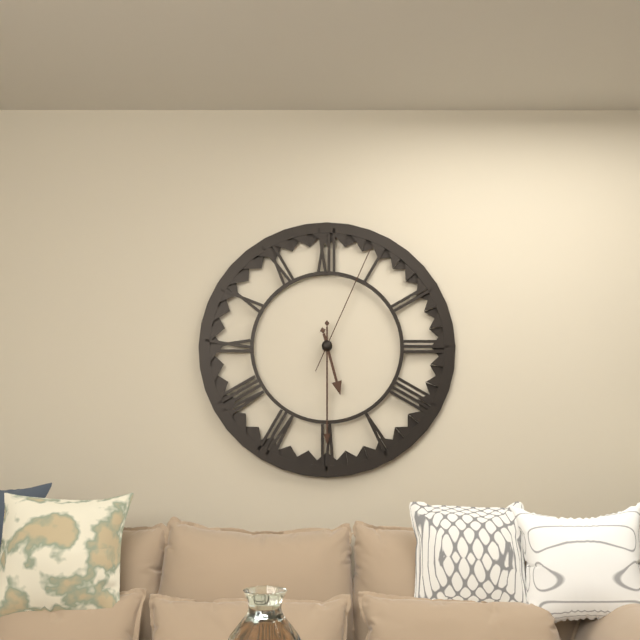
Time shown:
{"hour": 5, "minute": 30, "second": 4}
